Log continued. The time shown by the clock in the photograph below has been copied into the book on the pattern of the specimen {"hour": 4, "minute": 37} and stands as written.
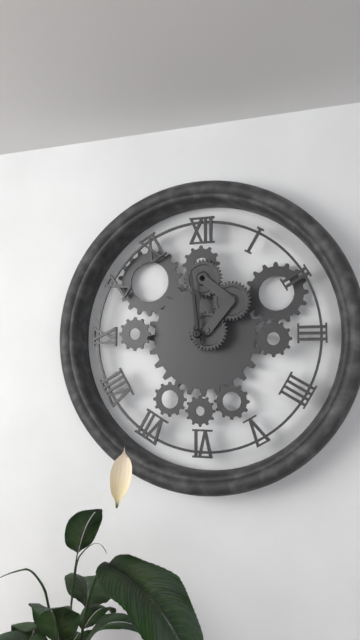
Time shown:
{"hour": 11, "minute": 59}
